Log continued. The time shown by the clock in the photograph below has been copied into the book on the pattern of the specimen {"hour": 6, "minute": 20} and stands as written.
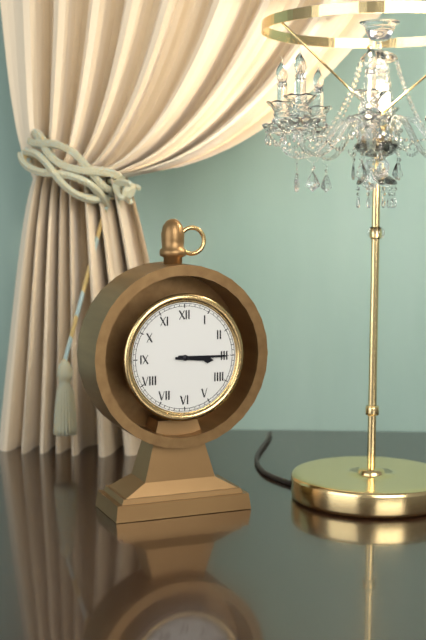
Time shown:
{"hour": 3, "minute": 15}
